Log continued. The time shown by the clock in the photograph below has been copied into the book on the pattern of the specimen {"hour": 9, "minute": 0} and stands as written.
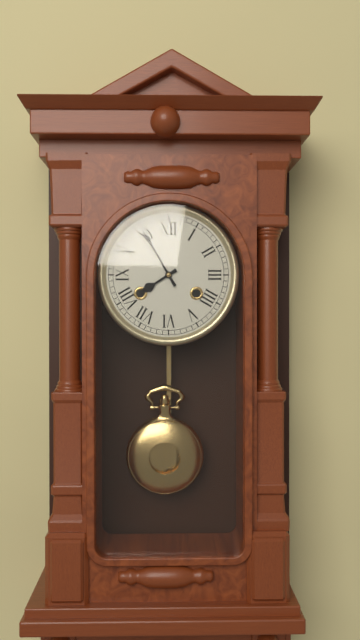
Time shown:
{"hour": 7, "minute": 55}
